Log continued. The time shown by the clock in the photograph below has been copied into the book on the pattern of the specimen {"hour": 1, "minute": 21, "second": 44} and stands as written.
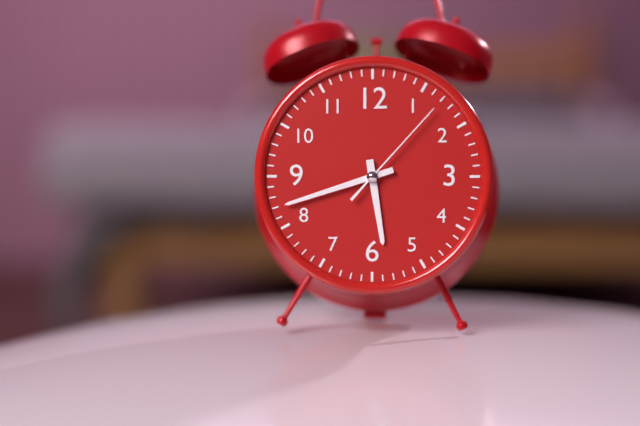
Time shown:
{"hour": 5, "minute": 42, "second": 7}
